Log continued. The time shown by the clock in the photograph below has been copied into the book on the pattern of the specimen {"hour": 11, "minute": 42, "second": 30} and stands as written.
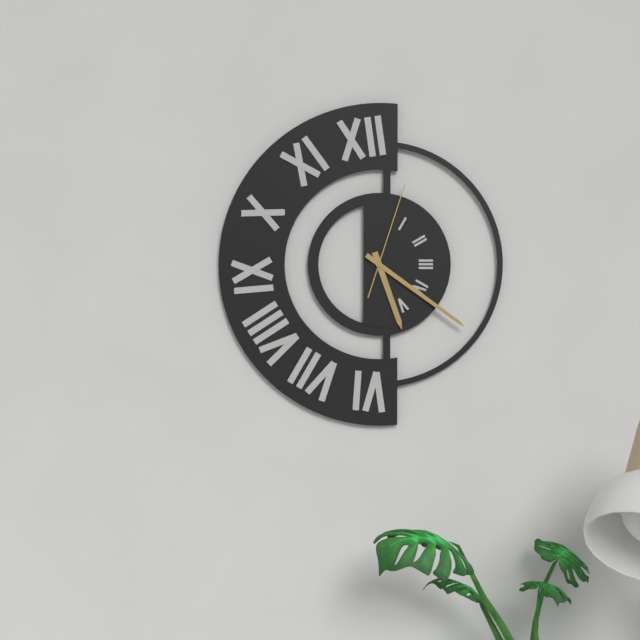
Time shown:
{"hour": 5, "minute": 21, "second": 3}
